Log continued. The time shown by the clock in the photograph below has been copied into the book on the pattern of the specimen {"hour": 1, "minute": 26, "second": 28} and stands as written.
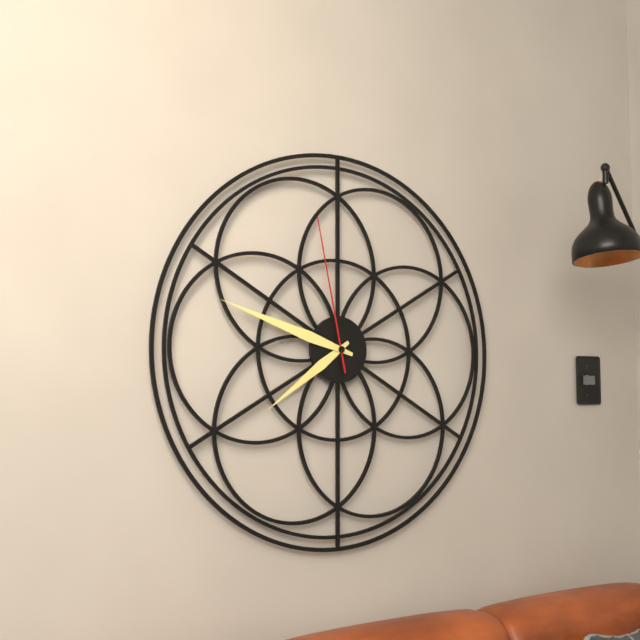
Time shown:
{"hour": 7, "minute": 48, "second": 58}
